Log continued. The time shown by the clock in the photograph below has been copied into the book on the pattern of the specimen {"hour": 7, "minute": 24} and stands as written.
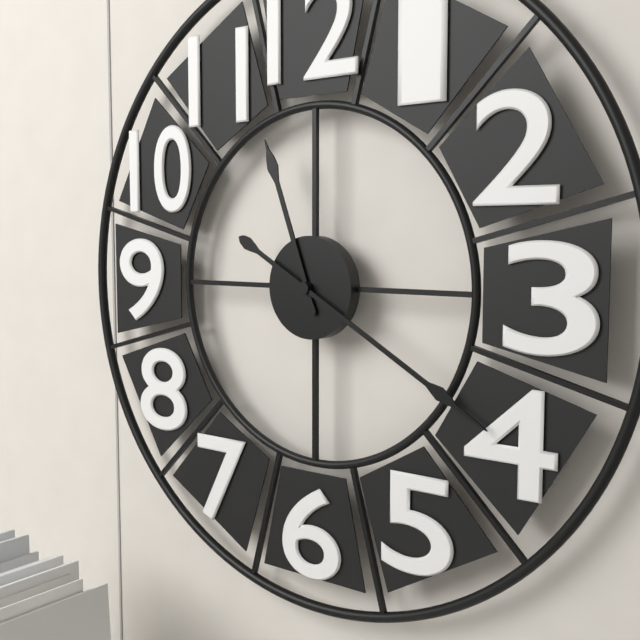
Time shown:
{"hour": 11, "minute": 20}
